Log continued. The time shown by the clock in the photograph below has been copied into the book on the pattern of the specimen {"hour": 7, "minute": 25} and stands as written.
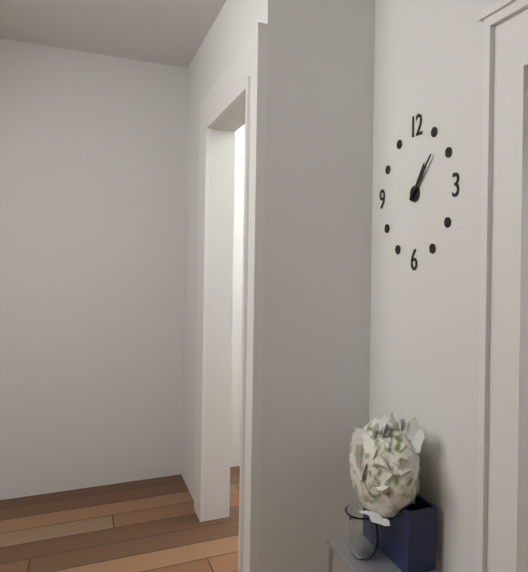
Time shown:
{"hour": 1, "minute": 7}
